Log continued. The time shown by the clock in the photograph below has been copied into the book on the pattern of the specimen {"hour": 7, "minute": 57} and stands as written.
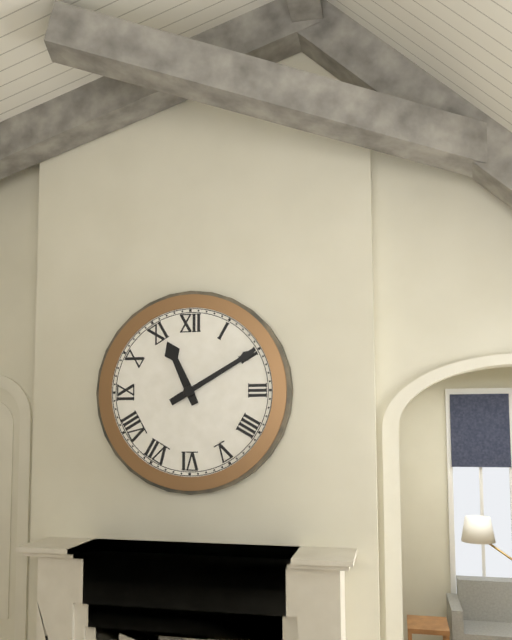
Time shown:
{"hour": 11, "minute": 10}
